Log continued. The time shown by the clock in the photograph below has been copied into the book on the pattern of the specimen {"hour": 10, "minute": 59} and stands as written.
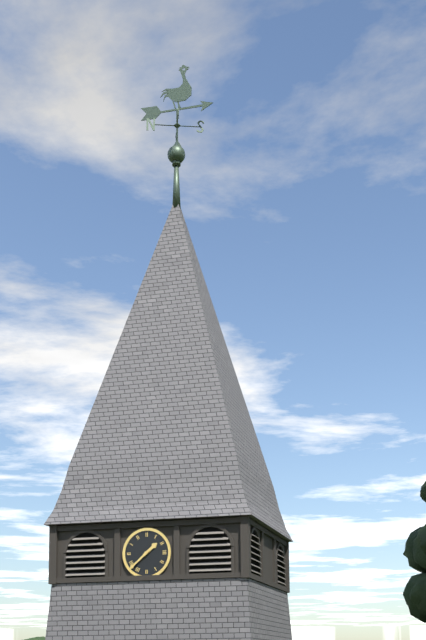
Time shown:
{"hour": 1, "minute": 38}
